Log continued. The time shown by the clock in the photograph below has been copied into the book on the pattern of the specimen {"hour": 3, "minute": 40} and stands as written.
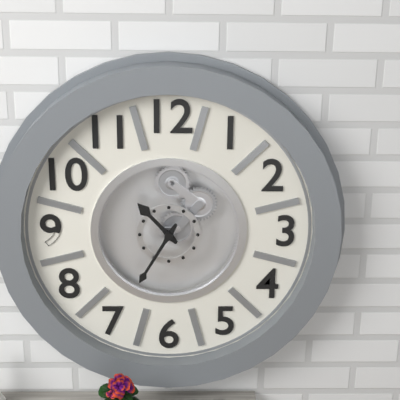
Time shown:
{"hour": 10, "minute": 35}
